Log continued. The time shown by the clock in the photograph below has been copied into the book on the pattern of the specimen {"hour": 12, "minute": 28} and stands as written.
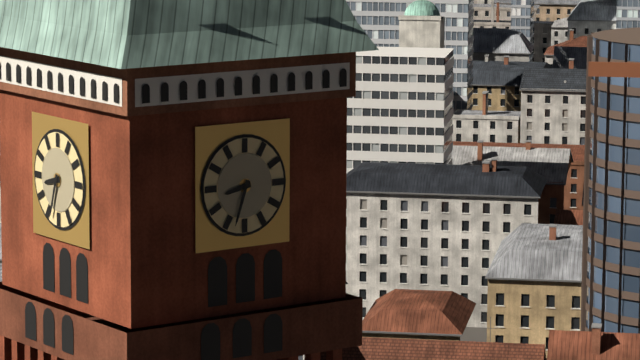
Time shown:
{"hour": 8, "minute": 33}
